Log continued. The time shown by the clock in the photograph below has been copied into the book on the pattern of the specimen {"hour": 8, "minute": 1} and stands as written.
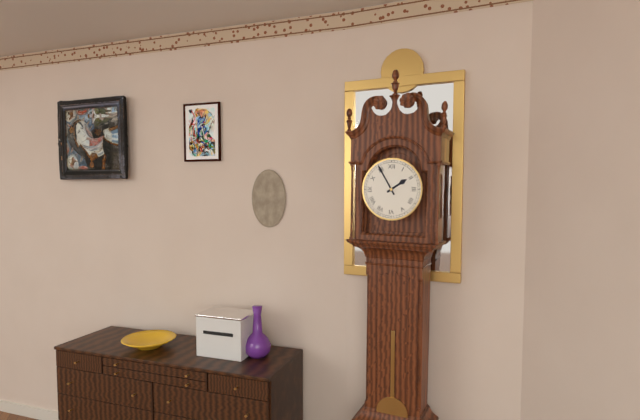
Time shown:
{"hour": 1, "minute": 55}
